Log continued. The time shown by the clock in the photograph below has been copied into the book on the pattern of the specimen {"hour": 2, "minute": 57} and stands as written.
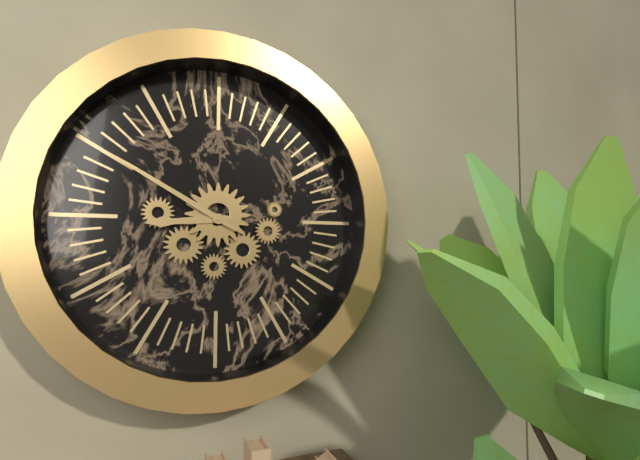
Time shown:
{"hour": 8, "minute": 50}
